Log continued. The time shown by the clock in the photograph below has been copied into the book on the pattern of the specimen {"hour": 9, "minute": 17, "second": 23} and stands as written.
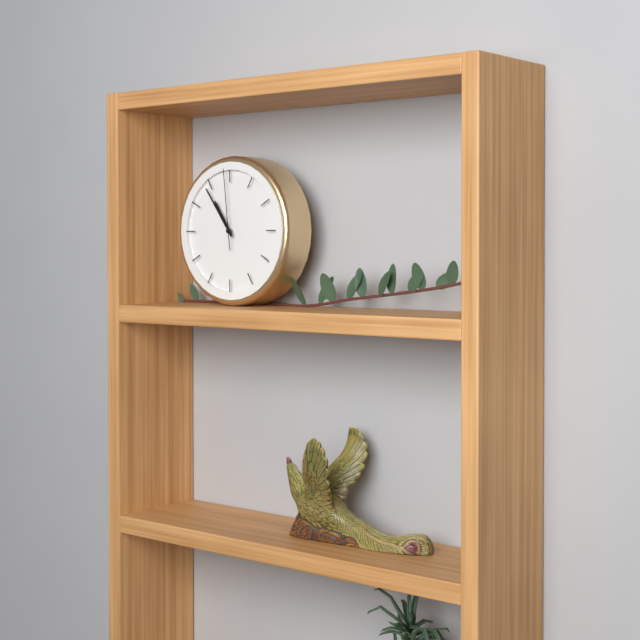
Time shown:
{"hour": 10, "minute": 54, "second": 59}
